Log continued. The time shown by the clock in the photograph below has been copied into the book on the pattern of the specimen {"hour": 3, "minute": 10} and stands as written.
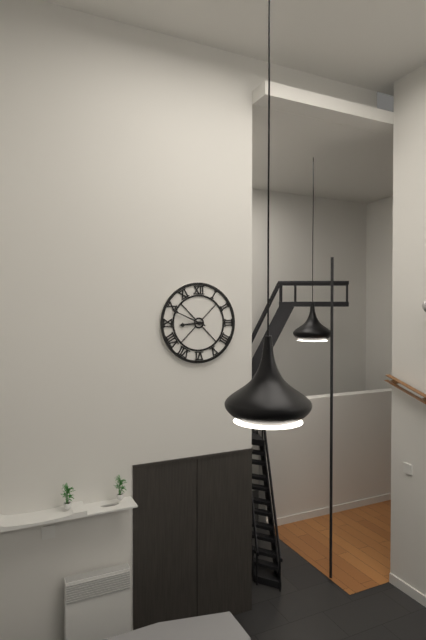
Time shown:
{"hour": 8, "minute": 49}
